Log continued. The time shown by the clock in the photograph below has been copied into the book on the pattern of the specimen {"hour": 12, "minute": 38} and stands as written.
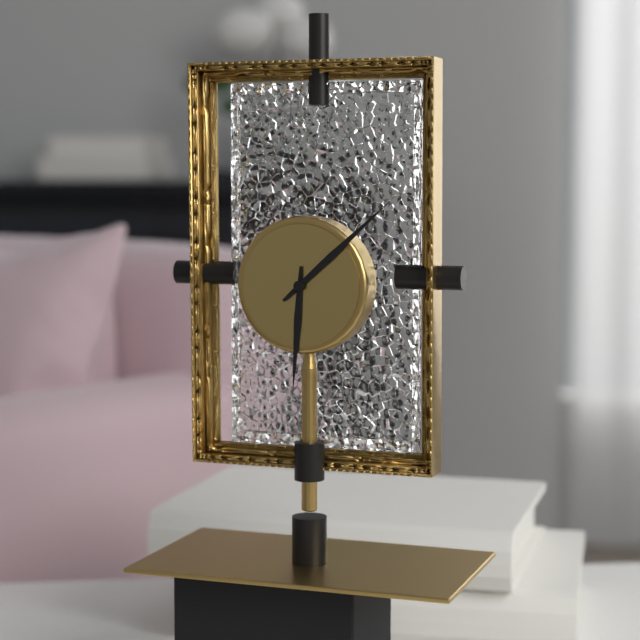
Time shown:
{"hour": 6, "minute": 8}
